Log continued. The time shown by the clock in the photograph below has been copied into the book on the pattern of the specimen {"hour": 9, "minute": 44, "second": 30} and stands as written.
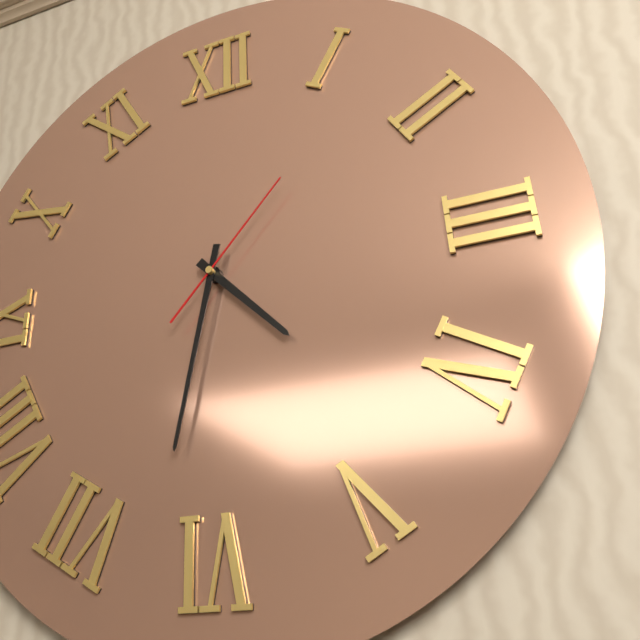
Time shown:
{"hour": 4, "minute": 32, "second": 7}
